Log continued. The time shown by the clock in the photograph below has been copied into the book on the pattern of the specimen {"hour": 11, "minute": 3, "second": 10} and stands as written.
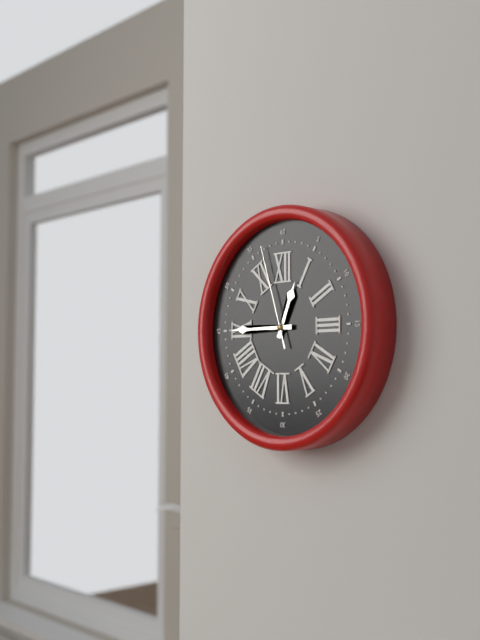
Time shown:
{"hour": 12, "minute": 45, "second": 57}
